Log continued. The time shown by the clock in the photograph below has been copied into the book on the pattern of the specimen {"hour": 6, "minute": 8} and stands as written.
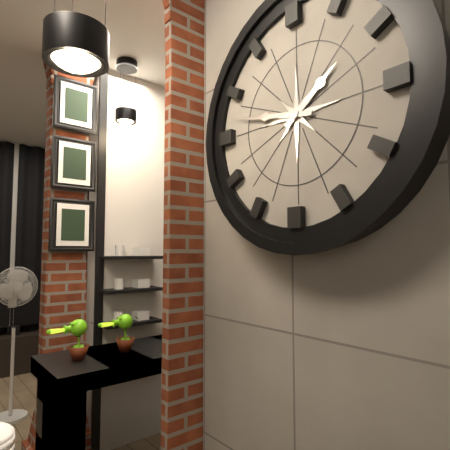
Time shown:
{"hour": 1, "minute": 47}
